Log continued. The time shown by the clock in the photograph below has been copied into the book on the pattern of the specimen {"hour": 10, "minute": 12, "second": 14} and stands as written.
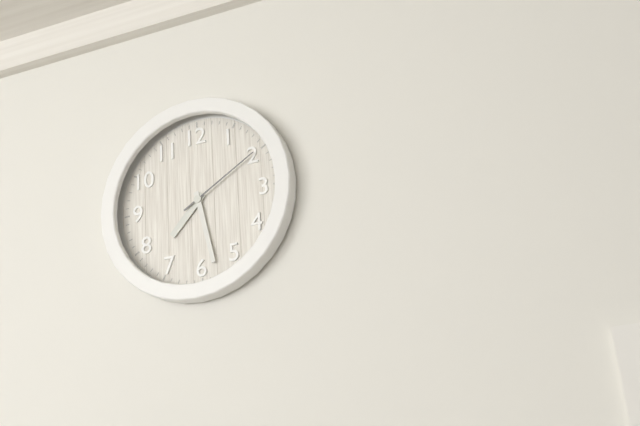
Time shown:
{"hour": 7, "minute": 28, "second": 10}
